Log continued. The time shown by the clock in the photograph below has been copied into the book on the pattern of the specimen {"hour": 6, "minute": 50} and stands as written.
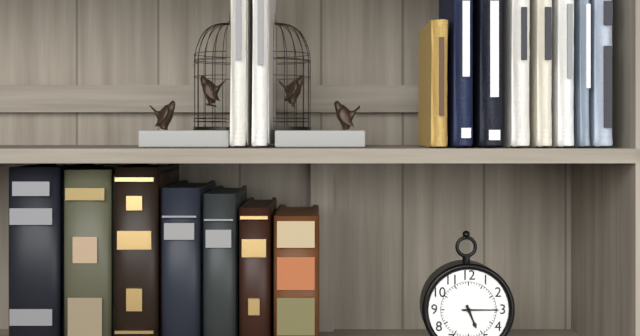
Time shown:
{"hour": 5, "minute": 15}
